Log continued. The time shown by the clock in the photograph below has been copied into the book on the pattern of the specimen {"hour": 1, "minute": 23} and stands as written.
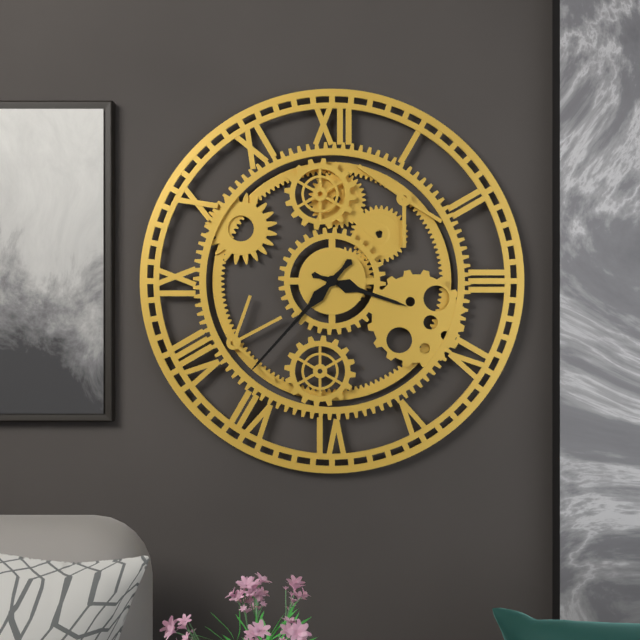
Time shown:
{"hour": 3, "minute": 37}
